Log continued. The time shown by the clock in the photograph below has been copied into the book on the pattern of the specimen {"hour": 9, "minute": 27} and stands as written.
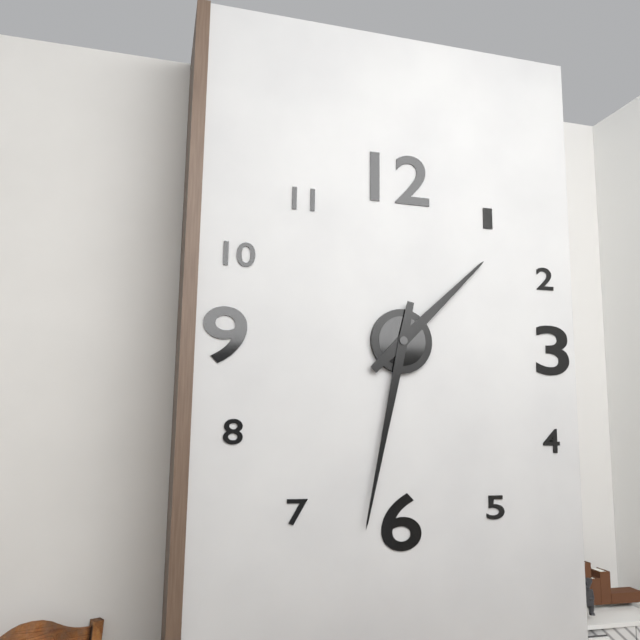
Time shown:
{"hour": 1, "minute": 32}
